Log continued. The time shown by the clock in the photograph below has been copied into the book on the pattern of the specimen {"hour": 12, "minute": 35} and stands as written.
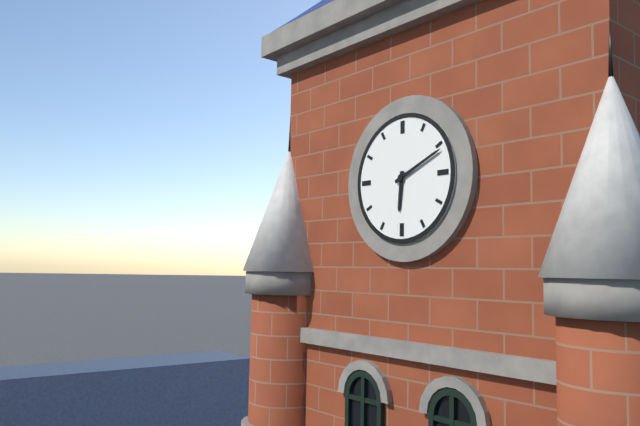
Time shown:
{"hour": 6, "minute": 11}
